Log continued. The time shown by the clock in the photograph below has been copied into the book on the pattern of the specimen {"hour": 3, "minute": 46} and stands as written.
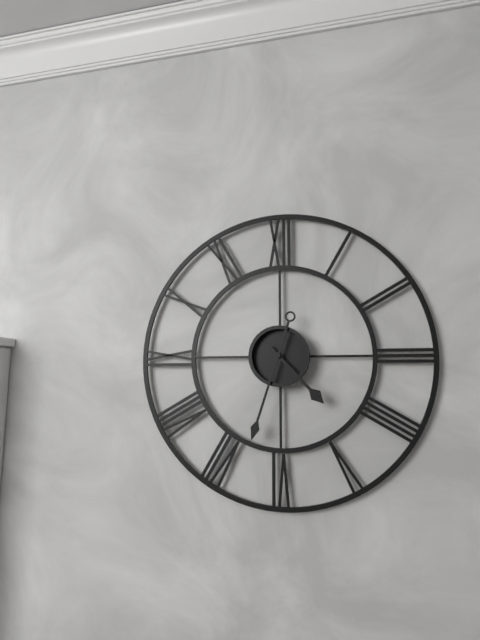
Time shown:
{"hour": 4, "minute": 33}
